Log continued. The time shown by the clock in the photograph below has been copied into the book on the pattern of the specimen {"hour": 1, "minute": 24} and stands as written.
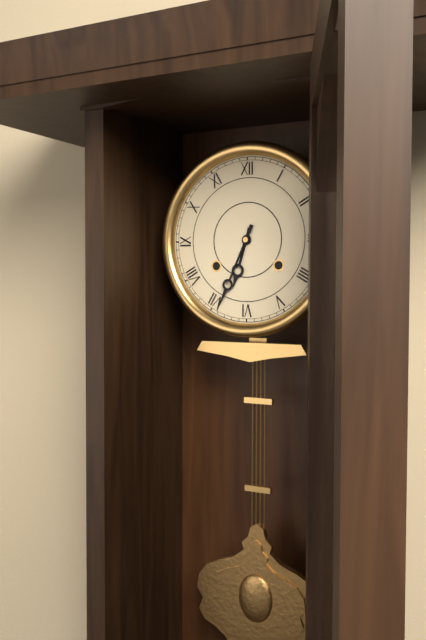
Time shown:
{"hour": 6, "minute": 34}
